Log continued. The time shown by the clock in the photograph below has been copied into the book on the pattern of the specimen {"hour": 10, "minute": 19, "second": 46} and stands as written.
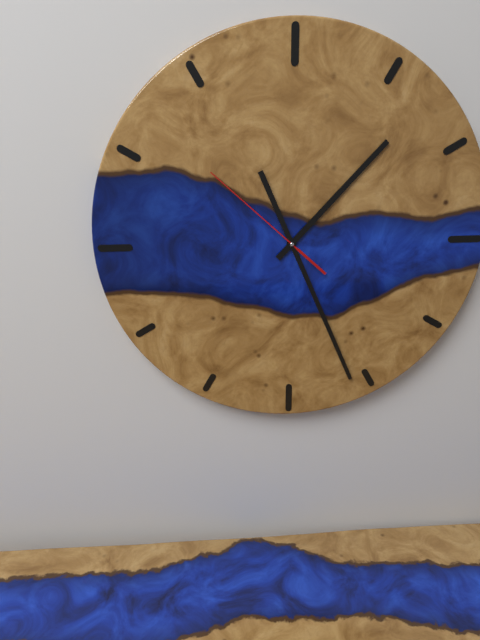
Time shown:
{"hour": 1, "minute": 26, "second": 52}
